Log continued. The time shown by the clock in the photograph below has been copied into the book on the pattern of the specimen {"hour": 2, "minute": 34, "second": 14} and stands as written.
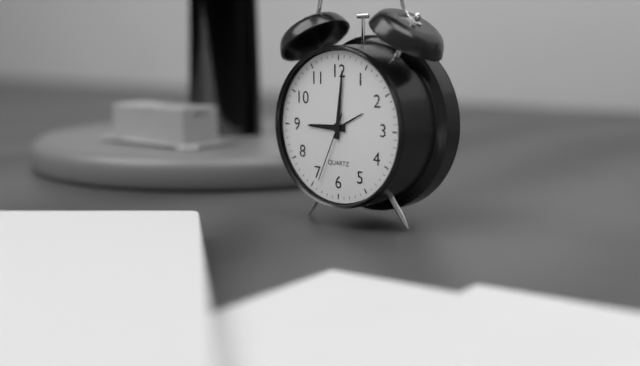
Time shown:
{"hour": 9, "minute": 1, "second": 34}
